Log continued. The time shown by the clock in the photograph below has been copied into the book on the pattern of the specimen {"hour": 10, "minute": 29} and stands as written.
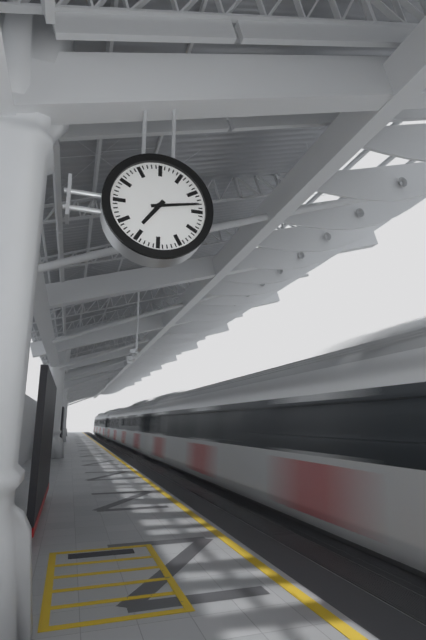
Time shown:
{"hour": 7, "minute": 13}
